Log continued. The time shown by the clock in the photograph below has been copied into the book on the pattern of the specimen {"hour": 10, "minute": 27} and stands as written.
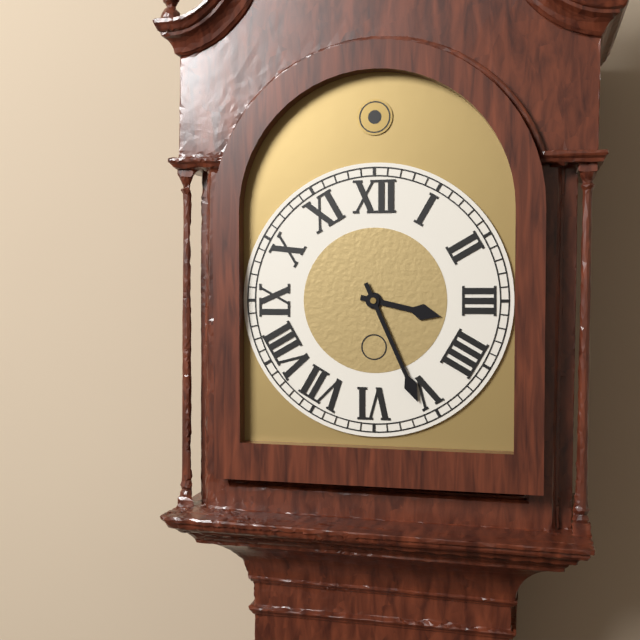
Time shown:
{"hour": 3, "minute": 26}
